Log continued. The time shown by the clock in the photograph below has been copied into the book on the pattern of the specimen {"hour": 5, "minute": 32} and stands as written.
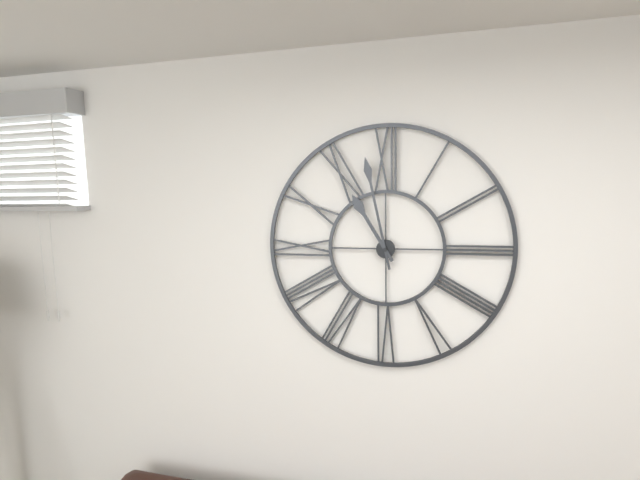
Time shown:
{"hour": 10, "minute": 58}
